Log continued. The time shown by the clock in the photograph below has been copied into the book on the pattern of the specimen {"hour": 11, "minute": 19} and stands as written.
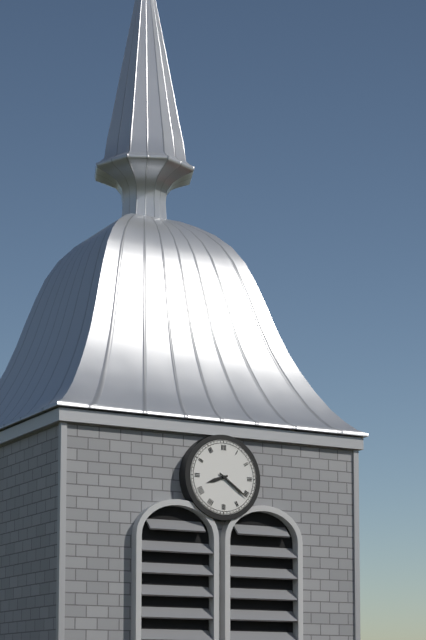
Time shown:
{"hour": 8, "minute": 21}
